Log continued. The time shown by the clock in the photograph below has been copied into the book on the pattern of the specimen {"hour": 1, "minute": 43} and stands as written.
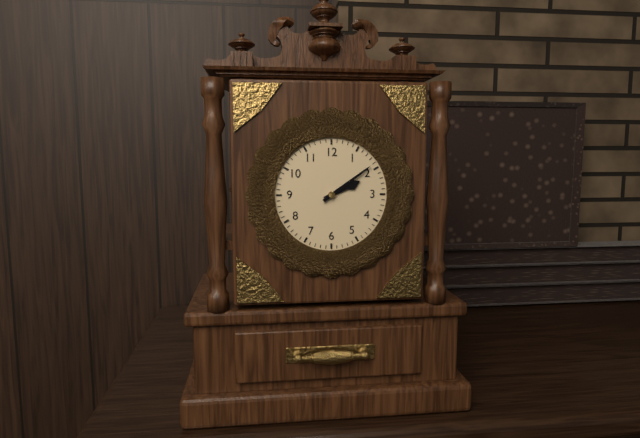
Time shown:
{"hour": 2, "minute": 9}
